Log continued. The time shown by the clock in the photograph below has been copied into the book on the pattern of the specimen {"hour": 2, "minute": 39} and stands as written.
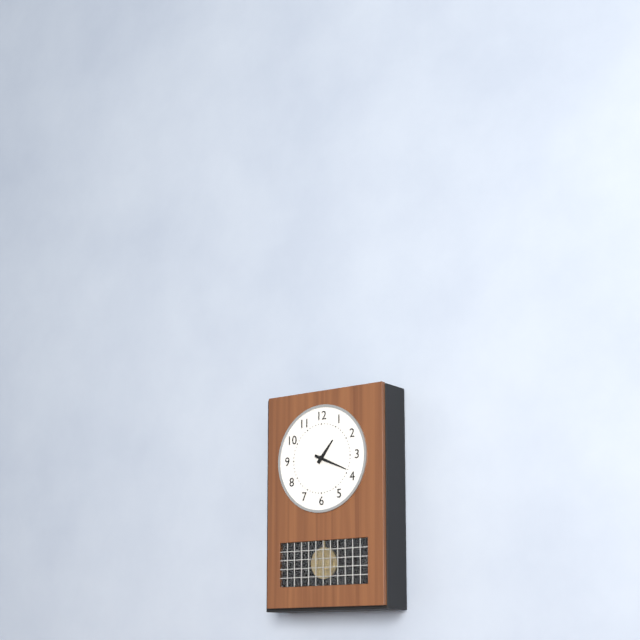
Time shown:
{"hour": 1, "minute": 19}
